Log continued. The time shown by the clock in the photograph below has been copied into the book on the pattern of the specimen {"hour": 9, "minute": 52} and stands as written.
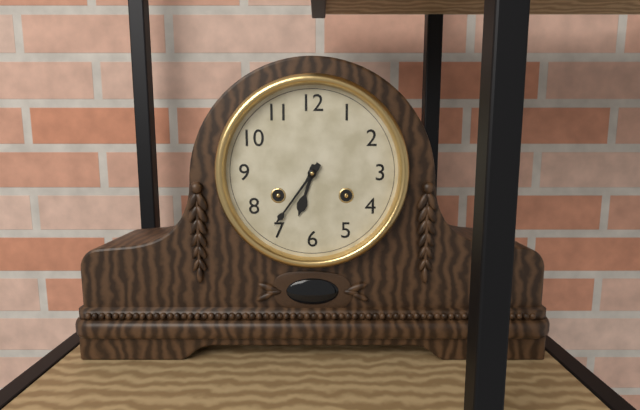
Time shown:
{"hour": 6, "minute": 36}
